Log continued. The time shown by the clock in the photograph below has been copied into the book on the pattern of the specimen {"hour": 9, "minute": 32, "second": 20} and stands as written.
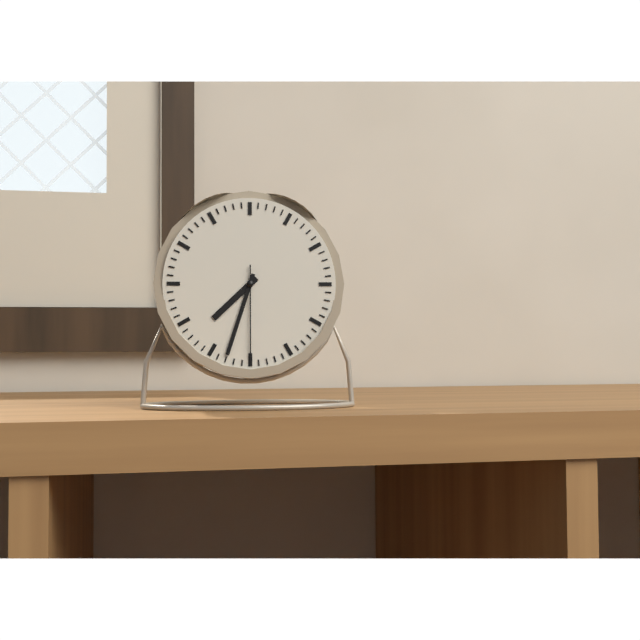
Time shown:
{"hour": 7, "minute": 33, "second": 30}
